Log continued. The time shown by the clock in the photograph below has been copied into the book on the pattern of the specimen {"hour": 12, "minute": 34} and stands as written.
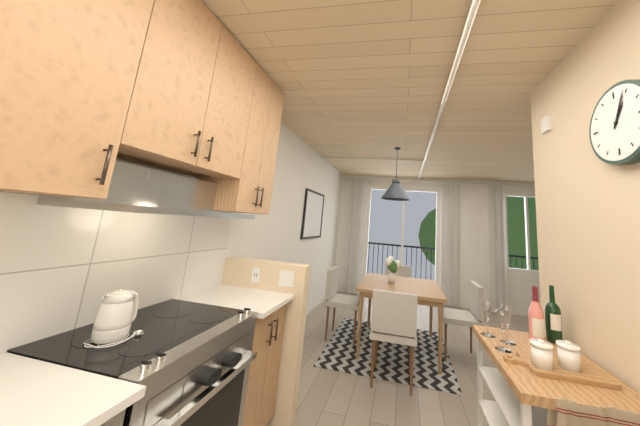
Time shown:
{"hour": 1, "minute": 4}
